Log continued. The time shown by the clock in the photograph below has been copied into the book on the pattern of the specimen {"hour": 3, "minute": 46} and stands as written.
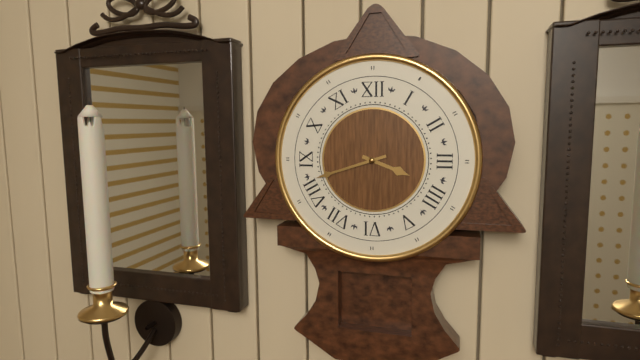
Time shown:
{"hour": 3, "minute": 42}
